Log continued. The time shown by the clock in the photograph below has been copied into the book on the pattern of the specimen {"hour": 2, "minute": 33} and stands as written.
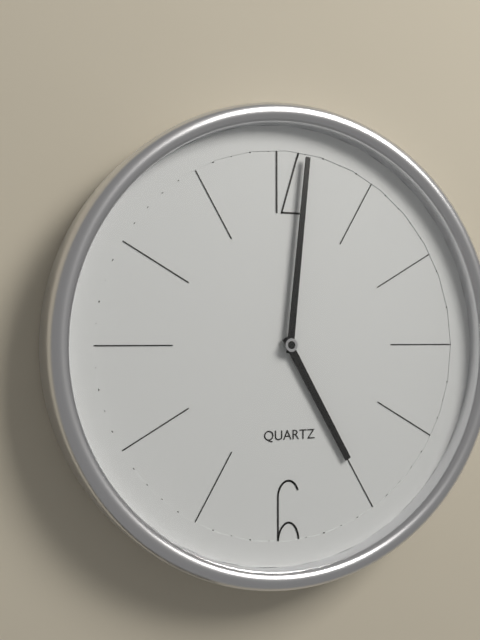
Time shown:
{"hour": 5, "minute": 1}
